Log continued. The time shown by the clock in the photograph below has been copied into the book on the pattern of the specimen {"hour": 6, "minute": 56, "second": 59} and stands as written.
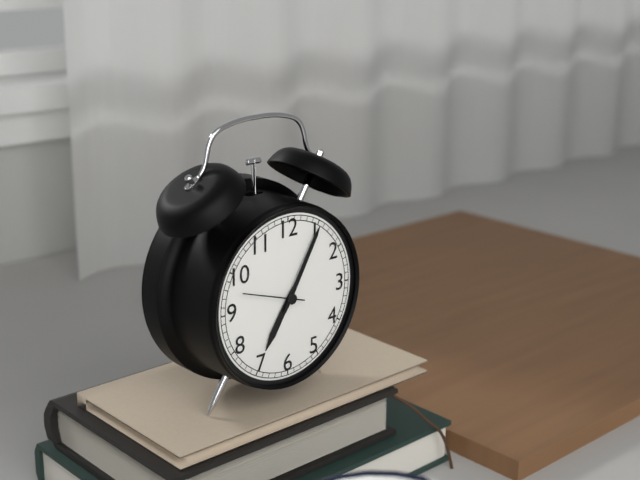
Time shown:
{"hour": 7, "minute": 5, "second": 48}
